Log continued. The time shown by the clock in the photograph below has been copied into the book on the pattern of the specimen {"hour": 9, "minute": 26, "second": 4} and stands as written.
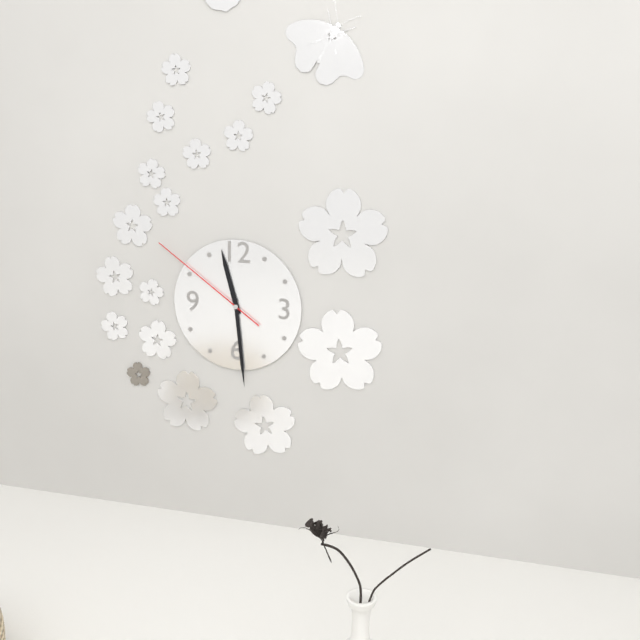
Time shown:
{"hour": 11, "minute": 29, "second": 51}
